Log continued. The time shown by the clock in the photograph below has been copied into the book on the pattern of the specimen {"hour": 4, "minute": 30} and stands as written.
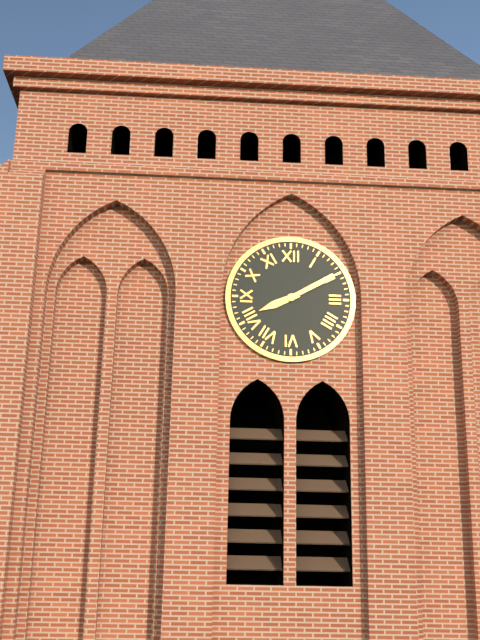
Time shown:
{"hour": 8, "minute": 10}
